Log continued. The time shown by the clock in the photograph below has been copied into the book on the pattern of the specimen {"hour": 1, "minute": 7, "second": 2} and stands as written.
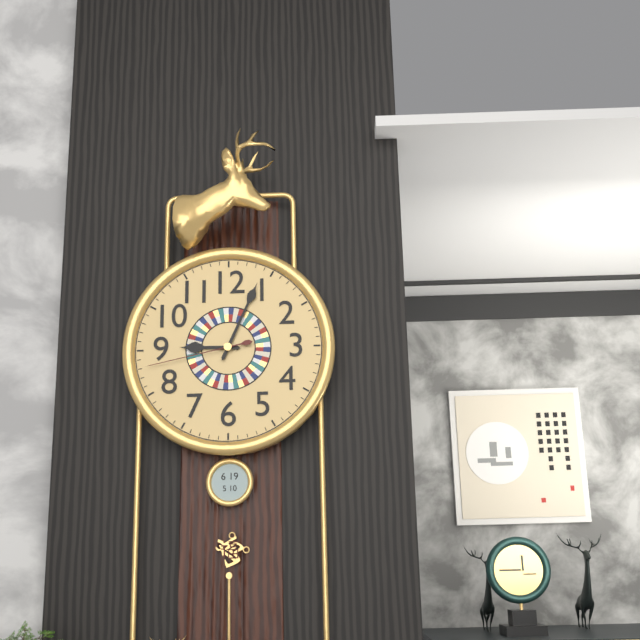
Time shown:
{"hour": 9, "minute": 4, "second": 43}
